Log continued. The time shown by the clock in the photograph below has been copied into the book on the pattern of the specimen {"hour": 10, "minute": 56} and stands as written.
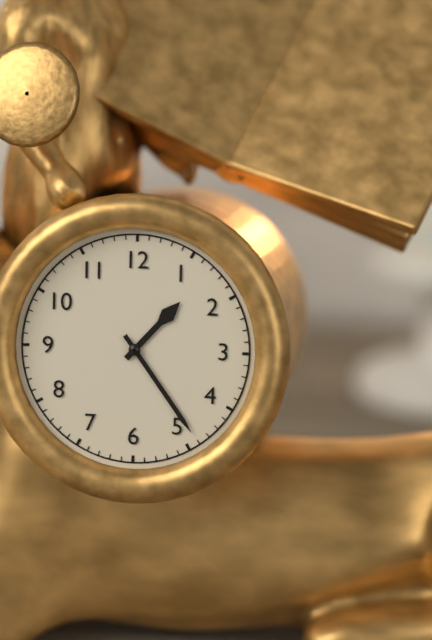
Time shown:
{"hour": 1, "minute": 24}
